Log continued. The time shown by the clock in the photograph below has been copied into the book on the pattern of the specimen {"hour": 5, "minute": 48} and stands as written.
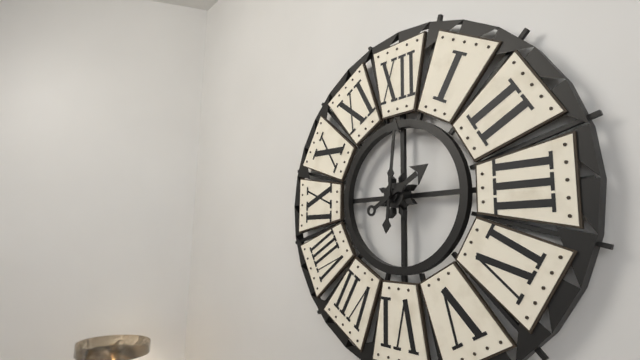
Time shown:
{"hour": 2, "minute": 1}
